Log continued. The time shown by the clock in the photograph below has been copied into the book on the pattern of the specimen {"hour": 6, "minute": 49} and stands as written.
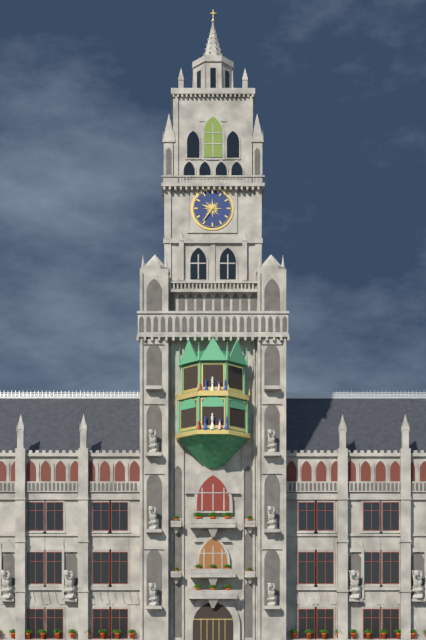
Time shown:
{"hour": 9, "minute": 36}
